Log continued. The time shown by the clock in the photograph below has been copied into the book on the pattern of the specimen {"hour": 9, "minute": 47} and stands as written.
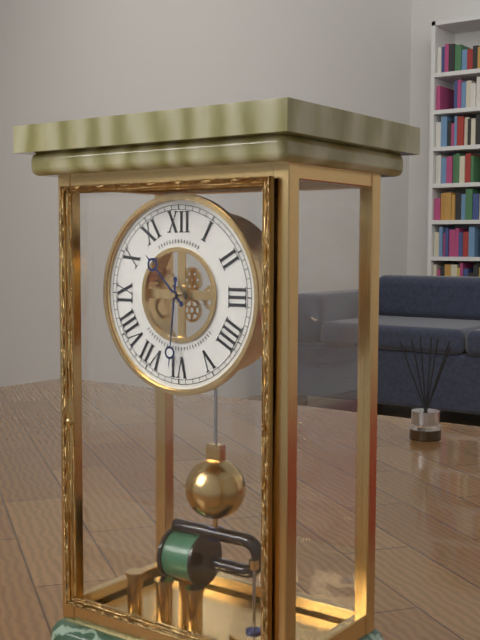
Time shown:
{"hour": 10, "minute": 31}
